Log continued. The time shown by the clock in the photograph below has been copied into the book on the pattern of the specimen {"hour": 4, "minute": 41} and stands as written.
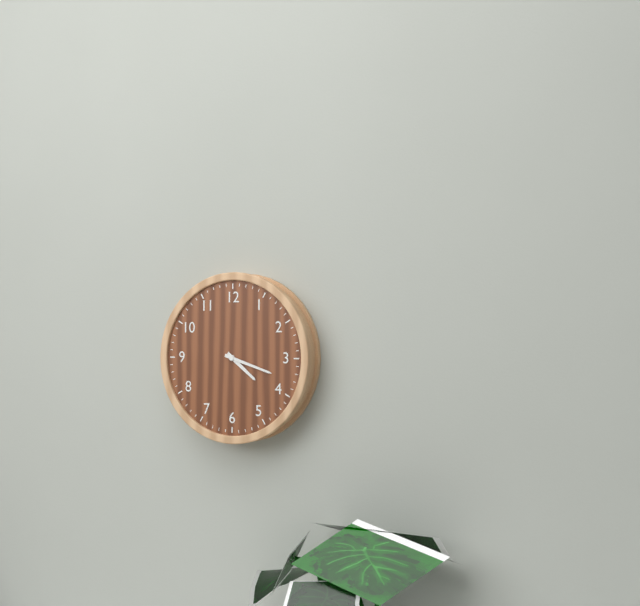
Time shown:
{"hour": 4, "minute": 18}
